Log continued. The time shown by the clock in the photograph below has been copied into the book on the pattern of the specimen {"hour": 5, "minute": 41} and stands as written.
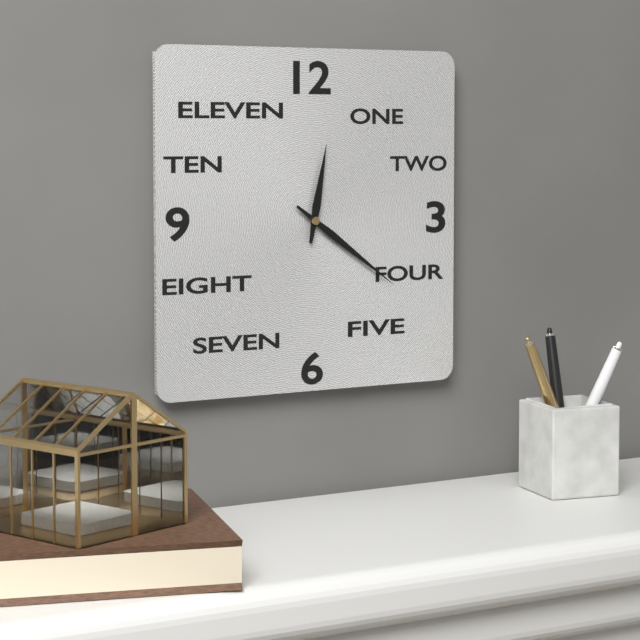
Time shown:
{"hour": 12, "minute": 21}
